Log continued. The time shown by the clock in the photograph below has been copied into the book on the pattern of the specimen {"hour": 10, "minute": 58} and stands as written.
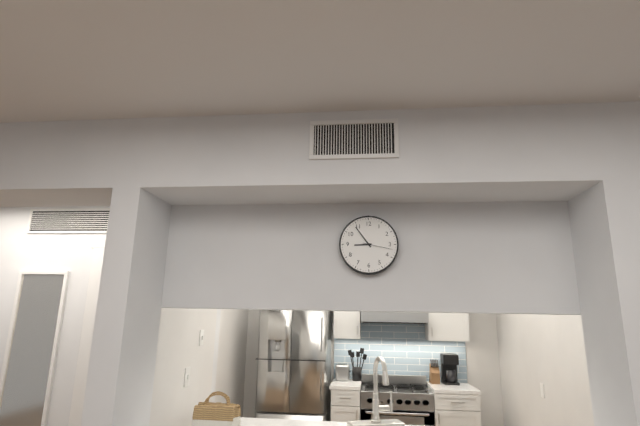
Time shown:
{"hour": 8, "minute": 54}
